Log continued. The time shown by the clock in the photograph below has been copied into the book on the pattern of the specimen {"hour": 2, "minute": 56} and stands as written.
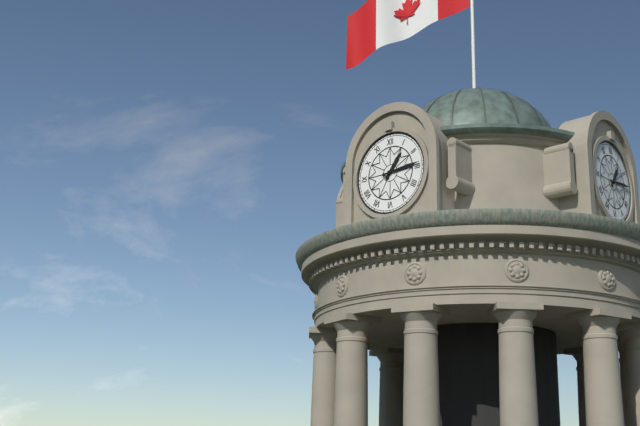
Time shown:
{"hour": 1, "minute": 14}
